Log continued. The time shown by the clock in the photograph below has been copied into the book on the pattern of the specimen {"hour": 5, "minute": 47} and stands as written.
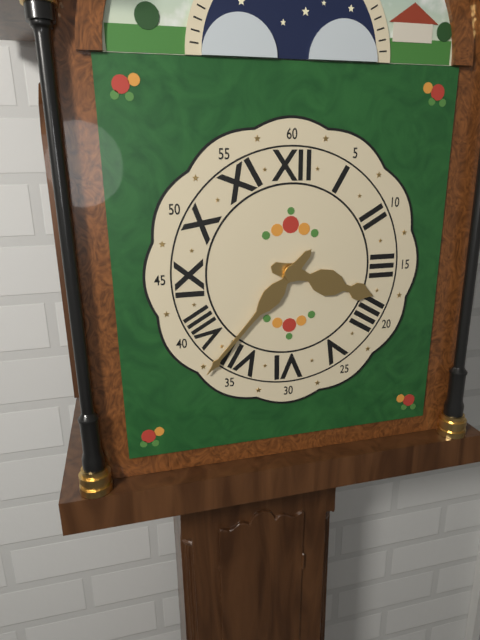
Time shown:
{"hour": 3, "minute": 37}
